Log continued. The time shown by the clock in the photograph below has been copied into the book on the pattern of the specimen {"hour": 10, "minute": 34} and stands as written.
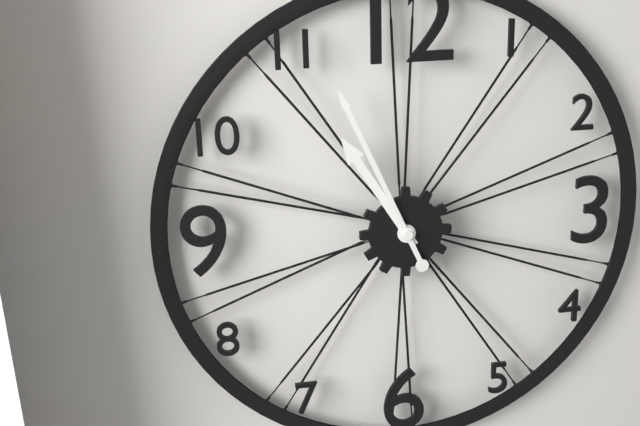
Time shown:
{"hour": 10, "minute": 56}
